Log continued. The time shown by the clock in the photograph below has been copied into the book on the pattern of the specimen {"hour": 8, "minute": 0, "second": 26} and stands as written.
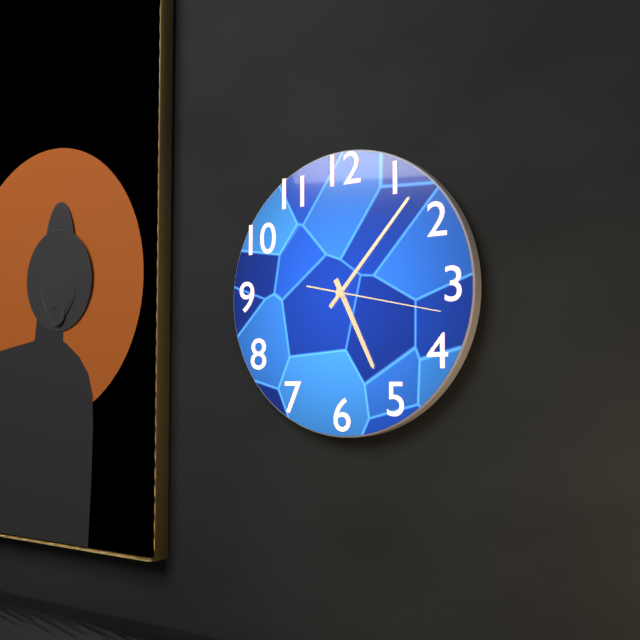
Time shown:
{"hour": 5, "minute": 7, "second": 17}
